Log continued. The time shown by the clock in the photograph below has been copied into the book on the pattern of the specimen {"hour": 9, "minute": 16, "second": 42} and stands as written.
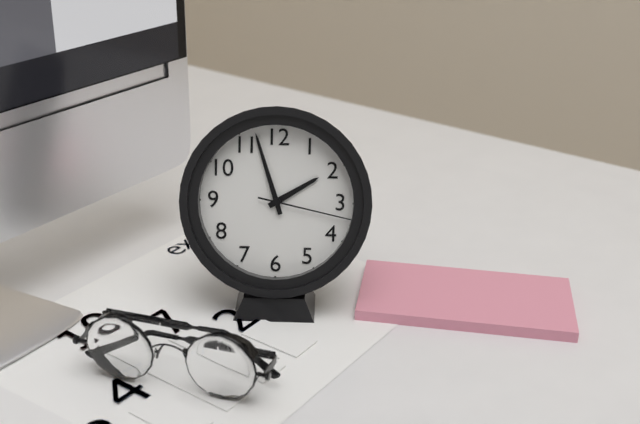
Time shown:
{"hour": 1, "minute": 57, "second": 17}
